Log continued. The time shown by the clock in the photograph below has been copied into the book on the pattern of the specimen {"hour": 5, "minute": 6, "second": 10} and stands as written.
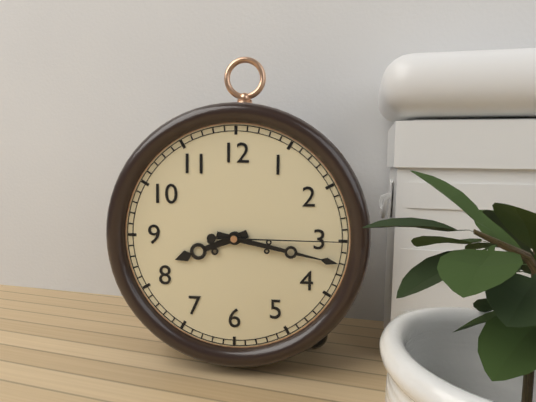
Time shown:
{"hour": 8, "minute": 17, "second": 15}
